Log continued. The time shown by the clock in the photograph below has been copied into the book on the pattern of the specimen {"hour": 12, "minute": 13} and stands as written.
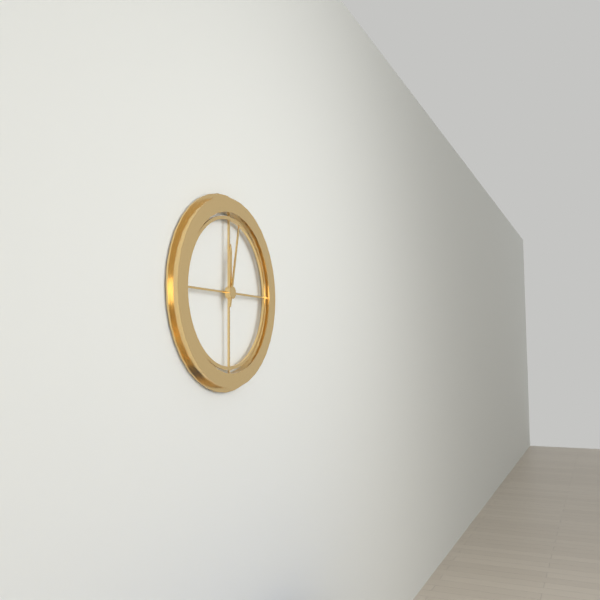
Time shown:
{"hour": 12, "minute": 2}
